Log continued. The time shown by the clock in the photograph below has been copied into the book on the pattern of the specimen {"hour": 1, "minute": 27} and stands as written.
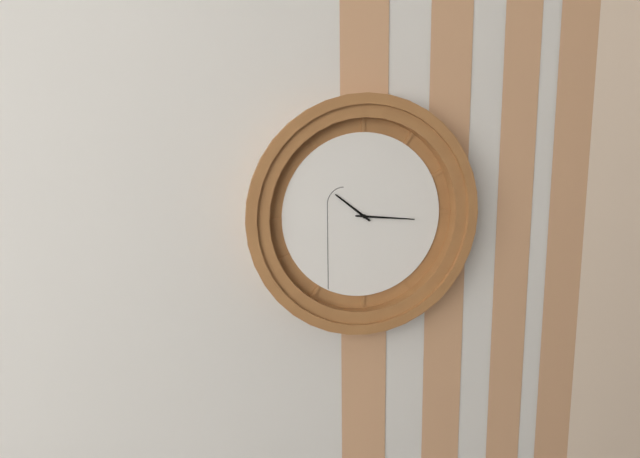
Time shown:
{"hour": 10, "minute": 16}
